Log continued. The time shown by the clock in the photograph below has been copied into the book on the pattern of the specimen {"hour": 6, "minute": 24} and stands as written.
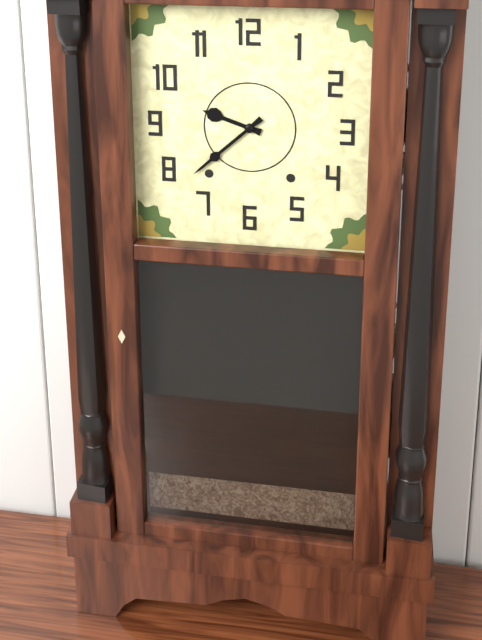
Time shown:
{"hour": 9, "minute": 38}
